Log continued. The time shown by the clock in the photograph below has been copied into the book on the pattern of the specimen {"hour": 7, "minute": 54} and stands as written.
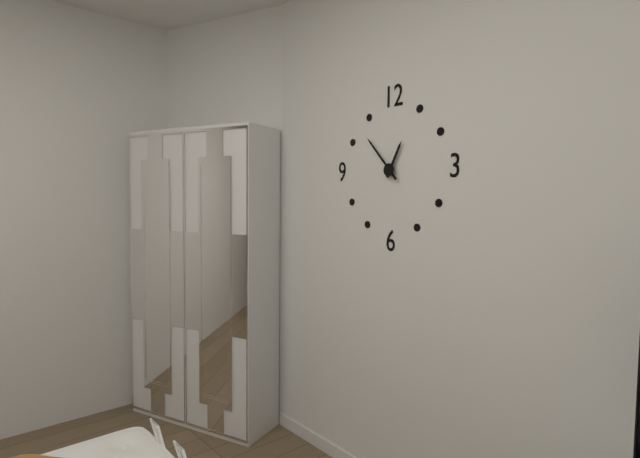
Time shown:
{"hour": 12, "minute": 53}
